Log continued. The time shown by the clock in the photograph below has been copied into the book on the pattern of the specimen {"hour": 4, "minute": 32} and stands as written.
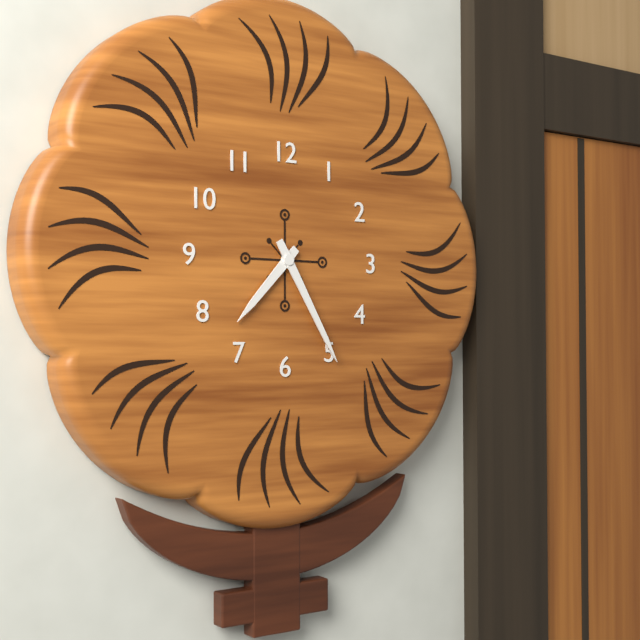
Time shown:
{"hour": 7, "minute": 25}
